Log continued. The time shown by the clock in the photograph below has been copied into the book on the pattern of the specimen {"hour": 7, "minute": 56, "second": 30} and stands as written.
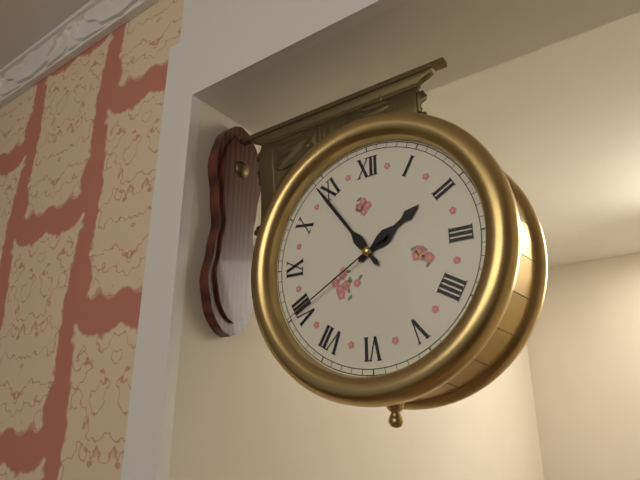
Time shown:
{"hour": 1, "minute": 54, "second": 40}
